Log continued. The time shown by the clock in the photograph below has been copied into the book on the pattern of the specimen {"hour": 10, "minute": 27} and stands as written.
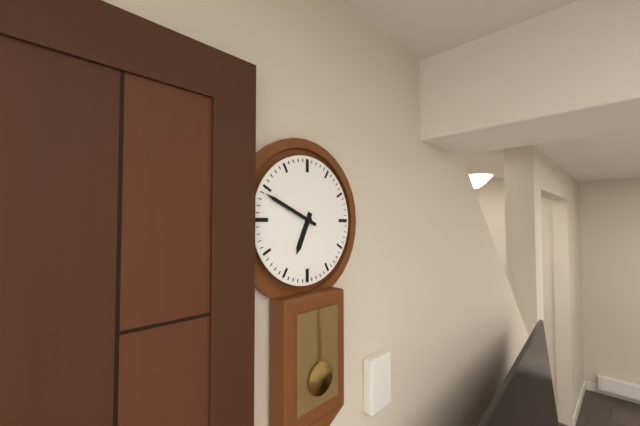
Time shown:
{"hour": 6, "minute": 49}
